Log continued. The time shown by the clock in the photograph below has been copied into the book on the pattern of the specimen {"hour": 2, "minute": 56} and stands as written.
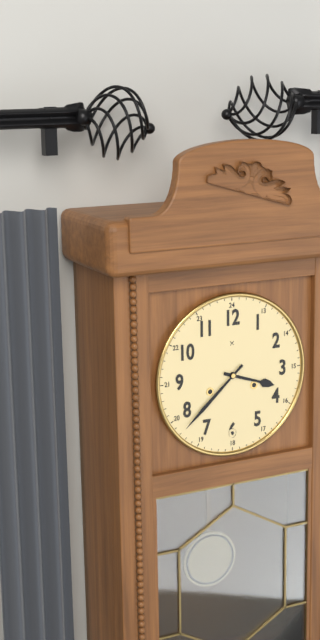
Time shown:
{"hour": 3, "minute": 38}
